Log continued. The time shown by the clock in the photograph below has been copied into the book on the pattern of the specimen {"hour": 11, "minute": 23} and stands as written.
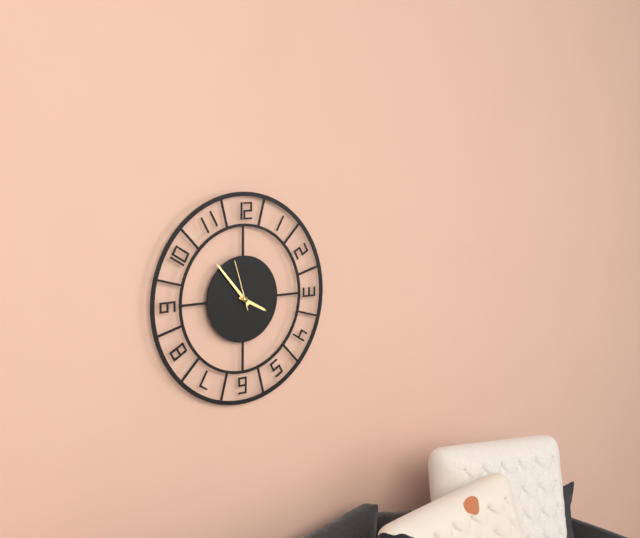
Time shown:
{"hour": 3, "minute": 53}
